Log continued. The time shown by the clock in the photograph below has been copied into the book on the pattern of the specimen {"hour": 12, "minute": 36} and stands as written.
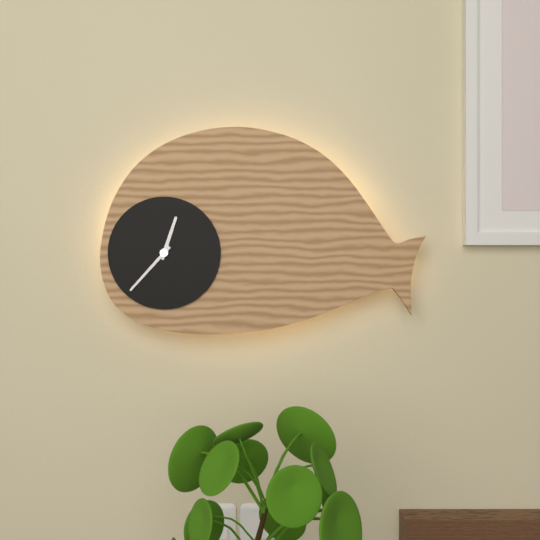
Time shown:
{"hour": 12, "minute": 37}
